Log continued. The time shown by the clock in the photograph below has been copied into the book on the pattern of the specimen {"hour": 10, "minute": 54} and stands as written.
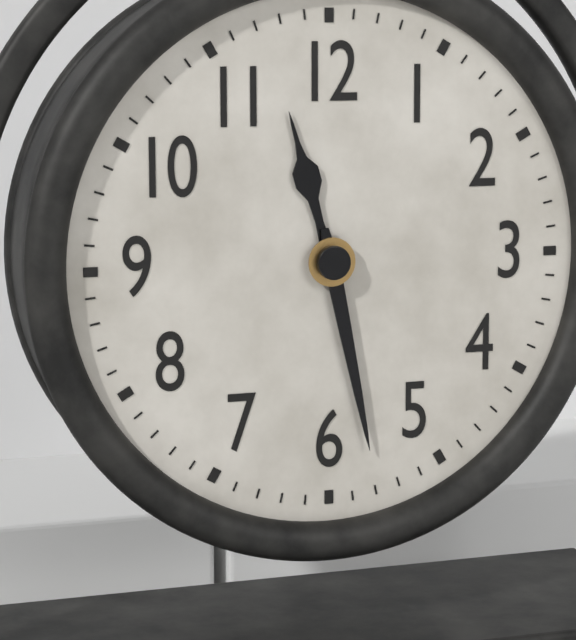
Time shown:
{"hour": 11, "minute": 28}
